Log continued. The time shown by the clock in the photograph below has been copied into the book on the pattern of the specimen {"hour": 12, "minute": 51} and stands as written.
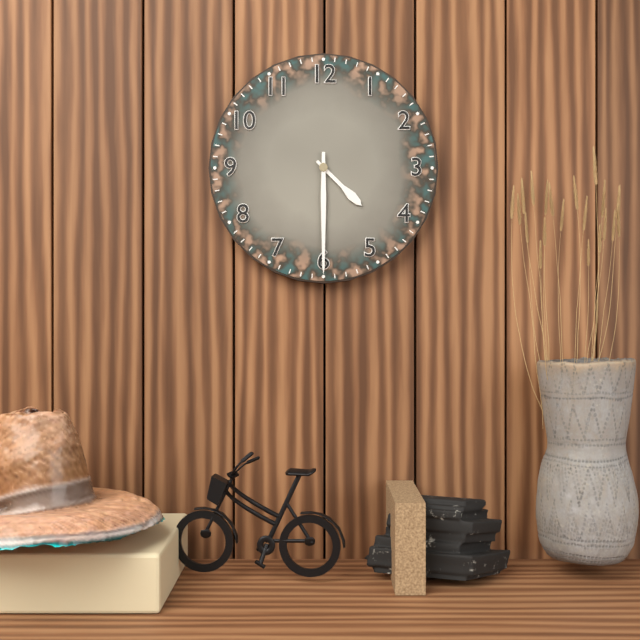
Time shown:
{"hour": 4, "minute": 30}
